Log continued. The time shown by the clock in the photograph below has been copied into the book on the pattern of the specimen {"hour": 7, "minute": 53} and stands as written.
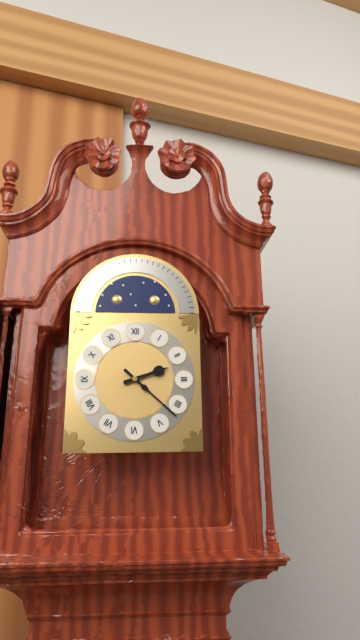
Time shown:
{"hour": 2, "minute": 22}
